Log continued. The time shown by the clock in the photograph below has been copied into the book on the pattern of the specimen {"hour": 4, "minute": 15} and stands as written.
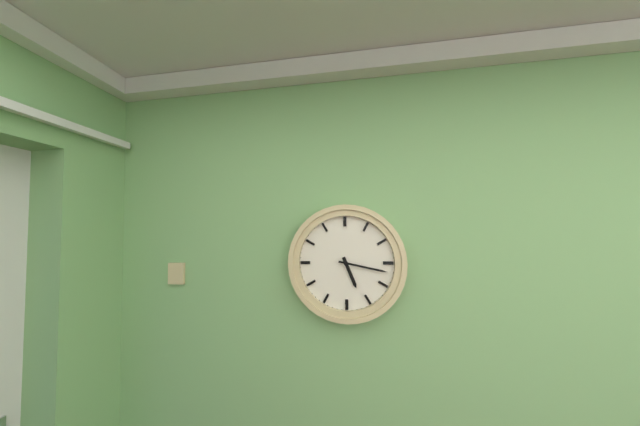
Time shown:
{"hour": 5, "minute": 17}
